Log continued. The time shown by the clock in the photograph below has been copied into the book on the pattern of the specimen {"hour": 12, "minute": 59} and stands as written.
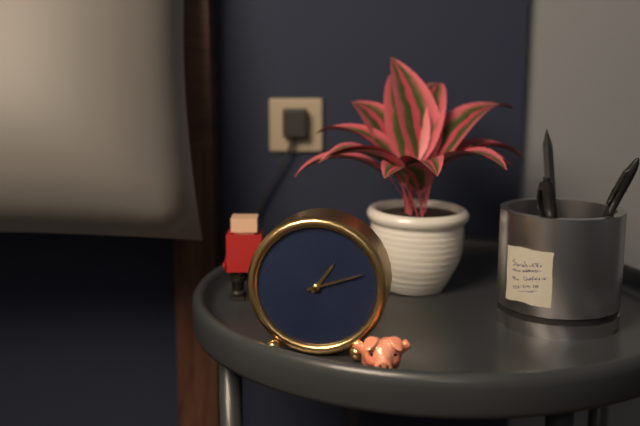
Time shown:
{"hour": 1, "minute": 12}
